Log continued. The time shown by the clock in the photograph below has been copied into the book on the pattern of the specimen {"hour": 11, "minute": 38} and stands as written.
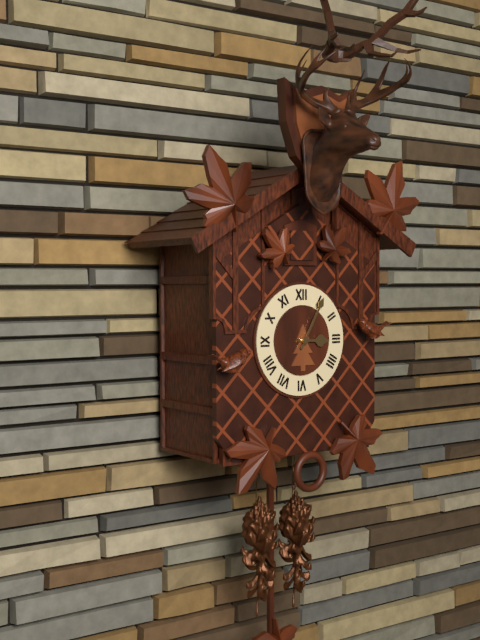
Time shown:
{"hour": 3, "minute": 5}
